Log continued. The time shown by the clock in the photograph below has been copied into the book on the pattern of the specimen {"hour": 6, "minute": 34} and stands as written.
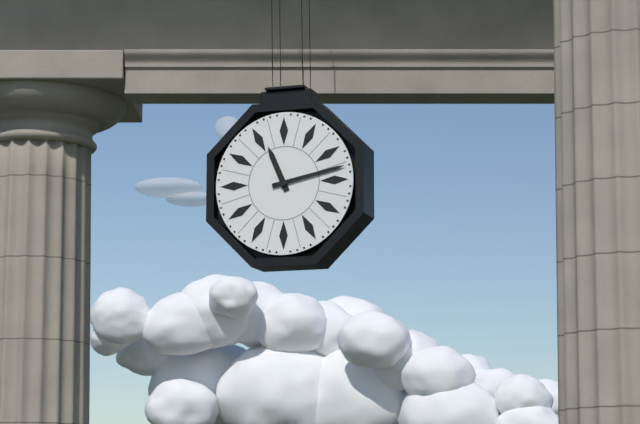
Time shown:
{"hour": 11, "minute": 13}
